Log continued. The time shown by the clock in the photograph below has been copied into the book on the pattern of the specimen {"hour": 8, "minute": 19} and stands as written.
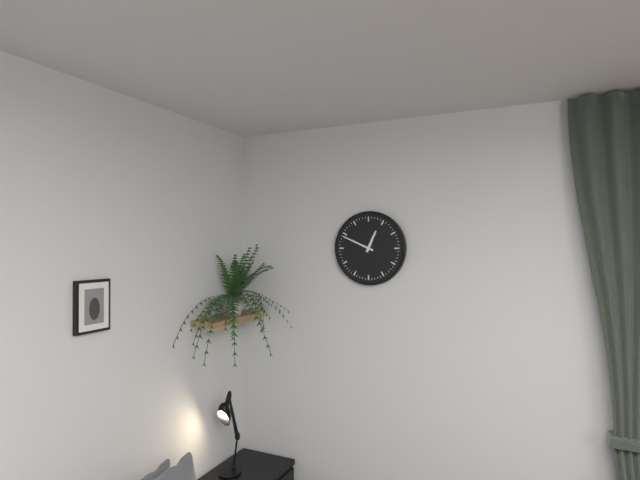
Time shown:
{"hour": 12, "minute": 49}
